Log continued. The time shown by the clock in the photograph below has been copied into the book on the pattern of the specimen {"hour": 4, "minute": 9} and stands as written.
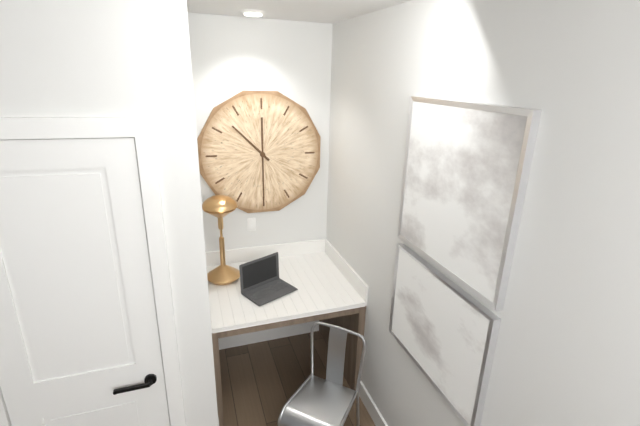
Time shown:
{"hour": 10, "minute": 30}
